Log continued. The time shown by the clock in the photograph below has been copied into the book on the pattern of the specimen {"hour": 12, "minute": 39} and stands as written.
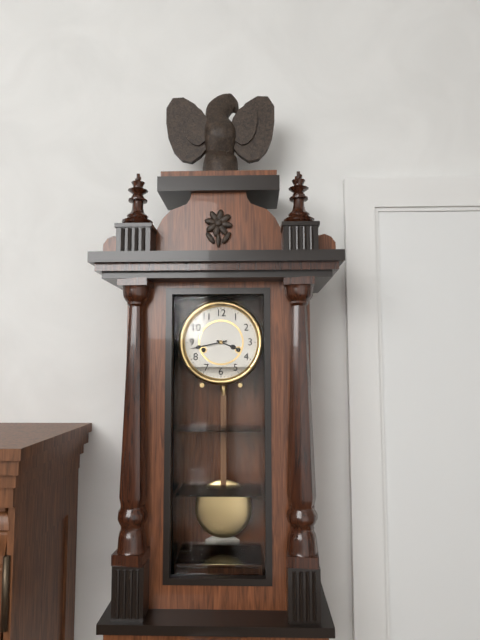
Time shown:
{"hour": 3, "minute": 43}
